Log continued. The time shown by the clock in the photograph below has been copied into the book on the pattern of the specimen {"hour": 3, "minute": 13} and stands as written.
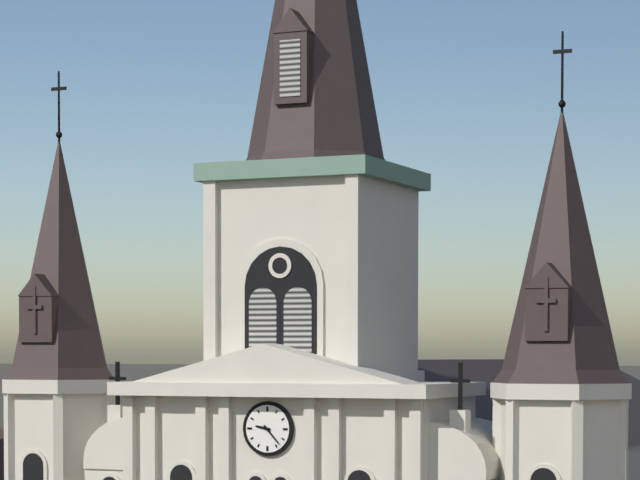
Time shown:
{"hour": 9, "minute": 23}
